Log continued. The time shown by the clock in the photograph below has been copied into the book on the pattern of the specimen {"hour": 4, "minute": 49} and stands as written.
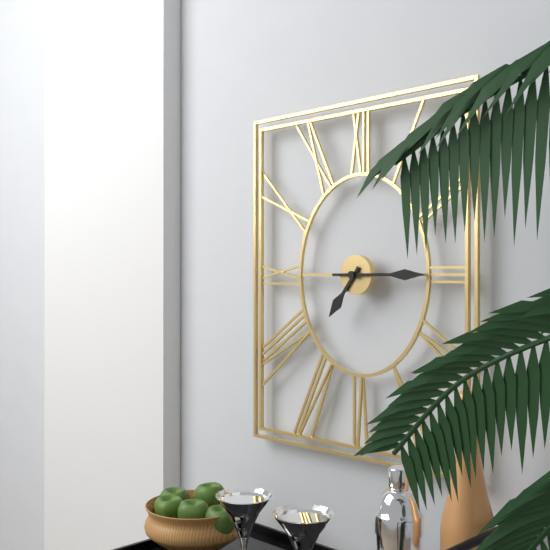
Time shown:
{"hour": 7, "minute": 15}
